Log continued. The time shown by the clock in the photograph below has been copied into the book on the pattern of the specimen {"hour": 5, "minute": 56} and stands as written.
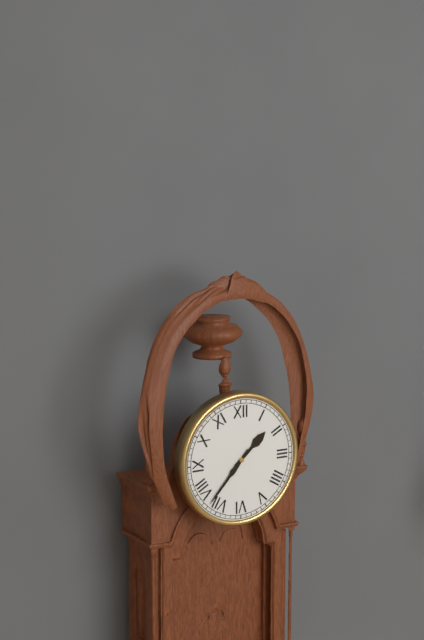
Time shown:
{"hour": 1, "minute": 37}
